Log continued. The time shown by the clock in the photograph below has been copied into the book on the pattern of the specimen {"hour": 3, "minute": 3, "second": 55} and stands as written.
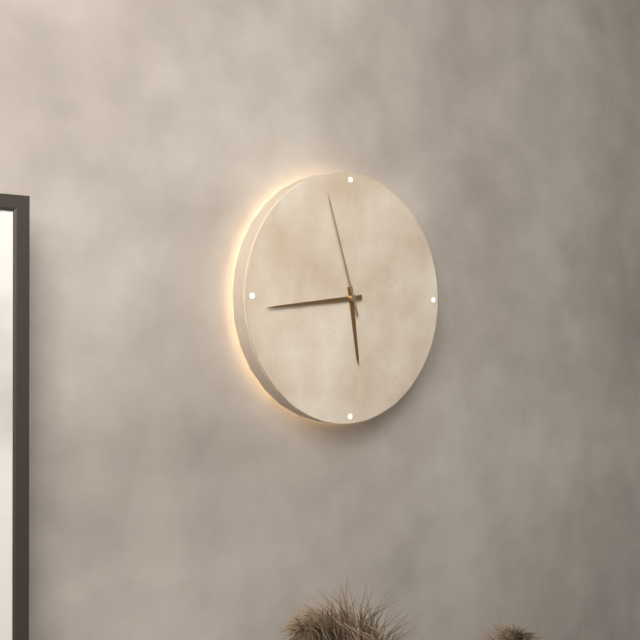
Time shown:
{"hour": 5, "minute": 44, "second": 57}
